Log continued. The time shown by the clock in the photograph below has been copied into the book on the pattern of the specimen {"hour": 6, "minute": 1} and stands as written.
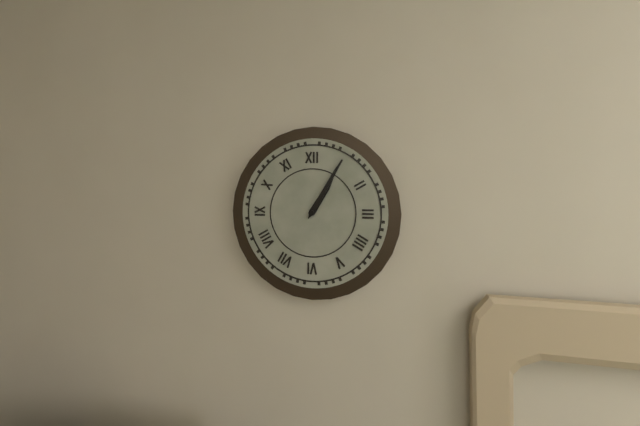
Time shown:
{"hour": 1, "minute": 5}
